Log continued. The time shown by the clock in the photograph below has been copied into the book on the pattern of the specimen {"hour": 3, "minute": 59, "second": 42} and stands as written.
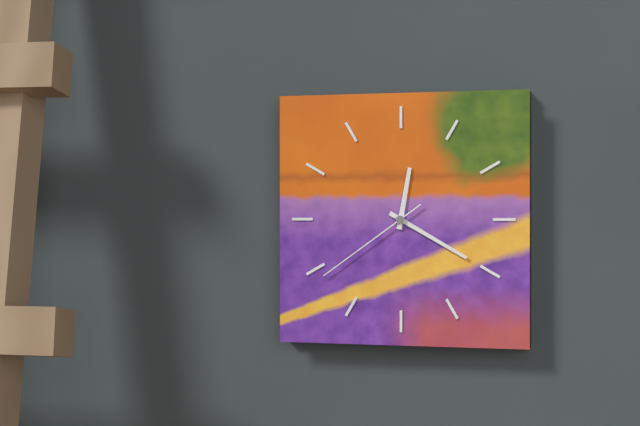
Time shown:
{"hour": 12, "minute": 20, "second": 39}
